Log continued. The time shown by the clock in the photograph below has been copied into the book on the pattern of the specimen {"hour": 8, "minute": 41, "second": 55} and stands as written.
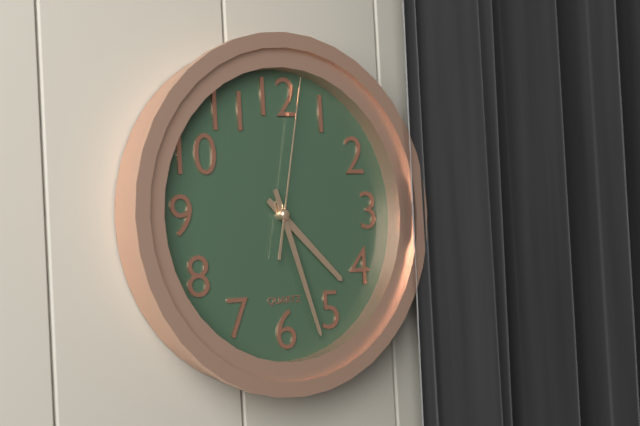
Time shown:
{"hour": 4, "minute": 27, "second": 2}
